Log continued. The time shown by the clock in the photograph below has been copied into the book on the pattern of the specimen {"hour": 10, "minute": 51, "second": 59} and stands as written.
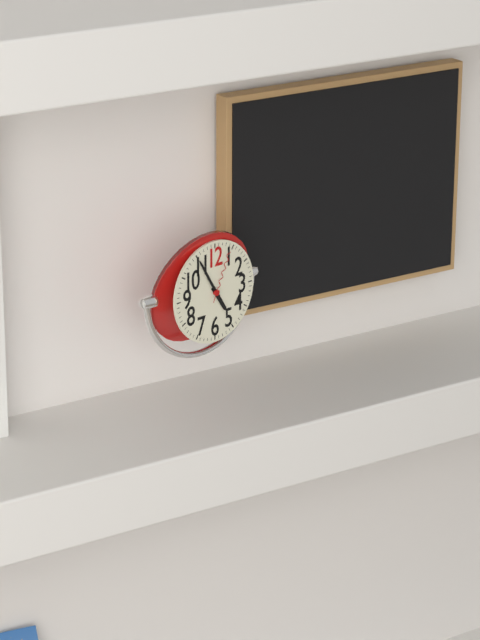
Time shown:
{"hour": 4, "minute": 55, "second": 4}
